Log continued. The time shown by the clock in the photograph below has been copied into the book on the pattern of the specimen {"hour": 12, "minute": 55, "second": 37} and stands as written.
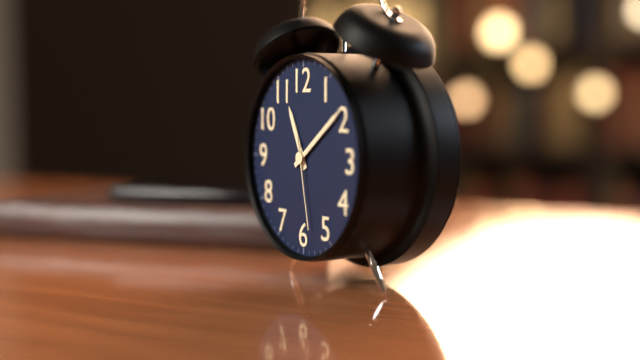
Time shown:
{"hour": 11, "minute": 9, "second": 28}
